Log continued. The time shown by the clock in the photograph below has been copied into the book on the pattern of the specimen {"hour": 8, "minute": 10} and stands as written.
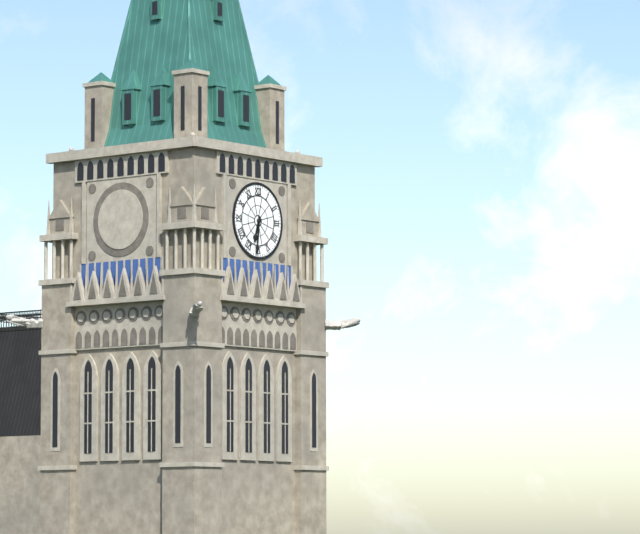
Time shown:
{"hour": 6, "minute": 31}
